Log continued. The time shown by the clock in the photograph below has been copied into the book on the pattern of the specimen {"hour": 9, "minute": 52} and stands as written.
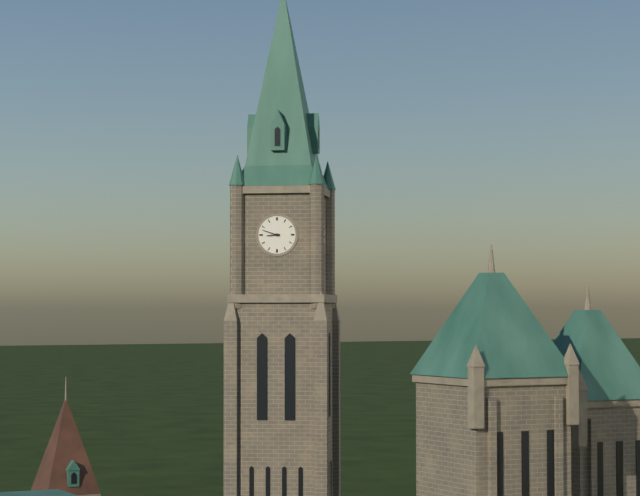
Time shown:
{"hour": 8, "minute": 48}
